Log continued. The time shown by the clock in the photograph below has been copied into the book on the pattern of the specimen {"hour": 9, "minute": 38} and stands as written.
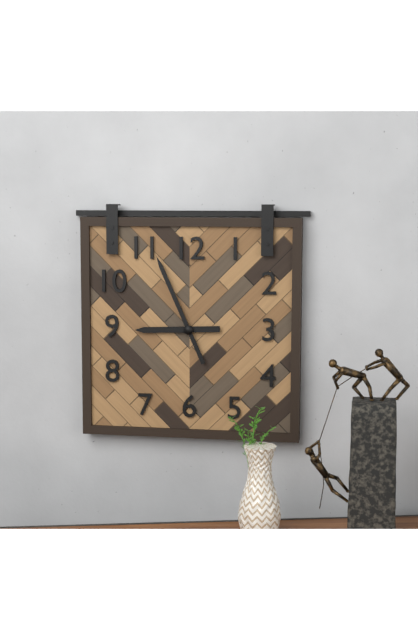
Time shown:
{"hour": 8, "minute": 56}
